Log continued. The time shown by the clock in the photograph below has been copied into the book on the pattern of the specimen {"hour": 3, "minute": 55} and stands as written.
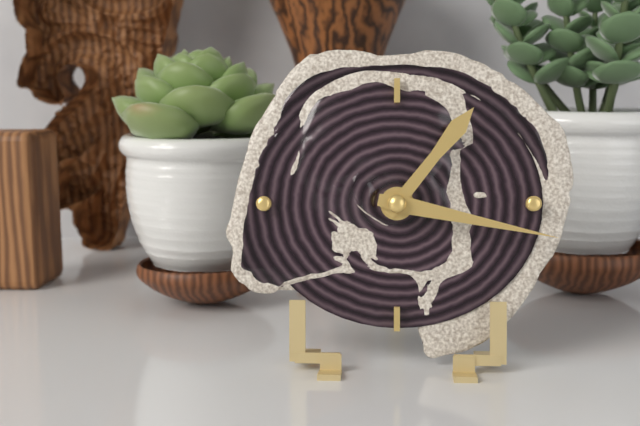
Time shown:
{"hour": 1, "minute": 17}
